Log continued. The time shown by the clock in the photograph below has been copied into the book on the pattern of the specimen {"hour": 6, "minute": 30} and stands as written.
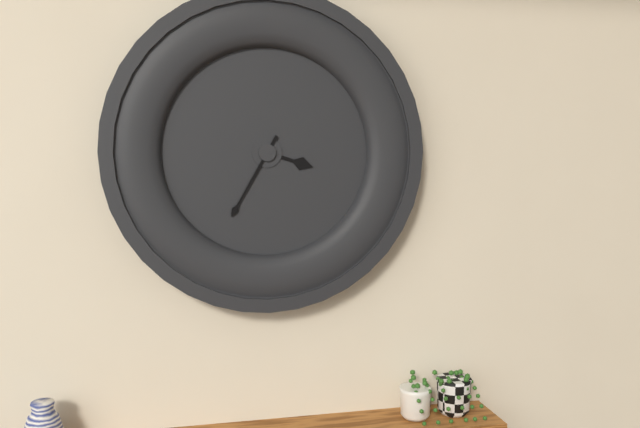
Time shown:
{"hour": 3, "minute": 35}
